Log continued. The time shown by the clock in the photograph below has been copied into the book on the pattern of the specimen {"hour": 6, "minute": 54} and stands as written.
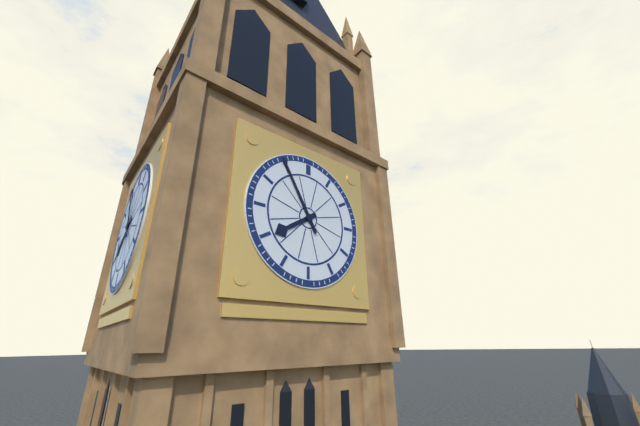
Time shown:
{"hour": 7, "minute": 55}
